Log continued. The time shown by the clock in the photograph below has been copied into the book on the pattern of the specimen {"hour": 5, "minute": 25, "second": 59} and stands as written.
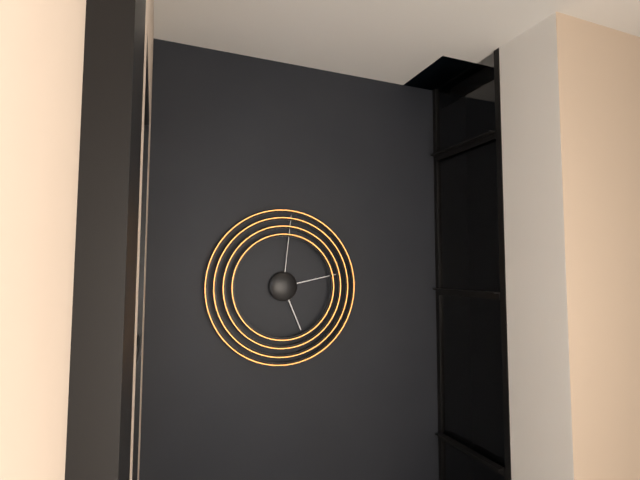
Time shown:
{"hour": 5, "minute": 13, "second": 1}
